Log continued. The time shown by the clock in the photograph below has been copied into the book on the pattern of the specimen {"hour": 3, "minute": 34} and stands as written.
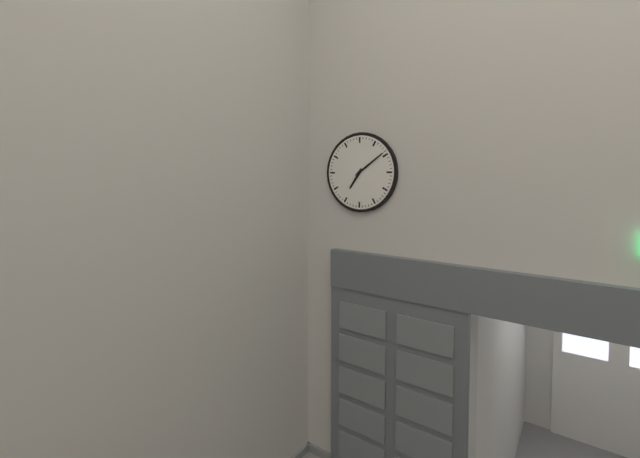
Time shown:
{"hour": 7, "minute": 9}
